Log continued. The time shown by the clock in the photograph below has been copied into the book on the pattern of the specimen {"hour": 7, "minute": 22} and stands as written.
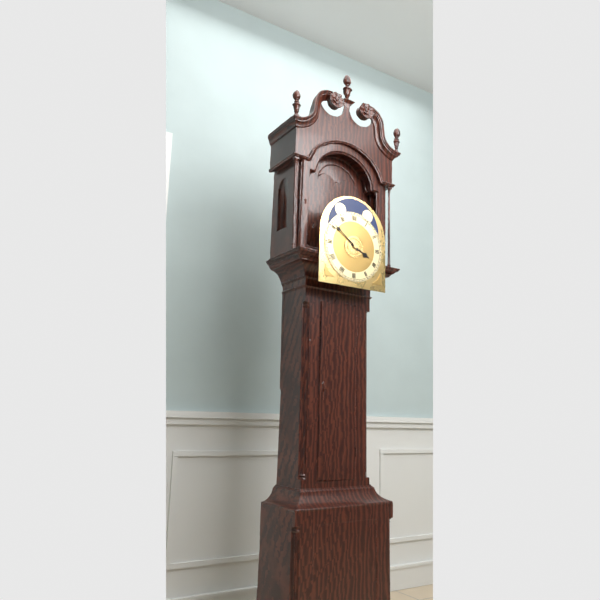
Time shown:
{"hour": 3, "minute": 51}
